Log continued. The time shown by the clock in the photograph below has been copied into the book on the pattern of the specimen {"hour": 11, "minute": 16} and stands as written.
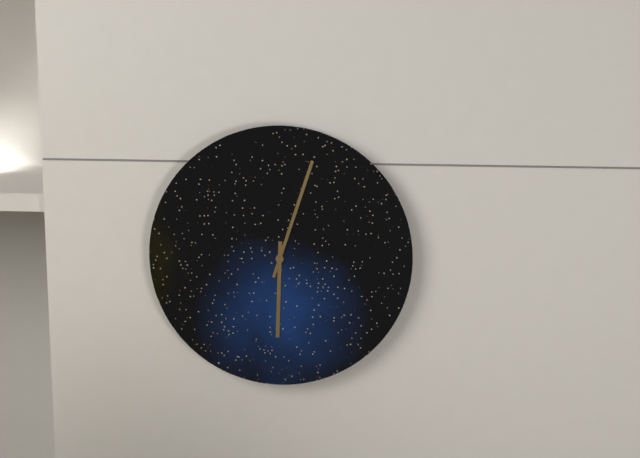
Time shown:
{"hour": 6, "minute": 3}
